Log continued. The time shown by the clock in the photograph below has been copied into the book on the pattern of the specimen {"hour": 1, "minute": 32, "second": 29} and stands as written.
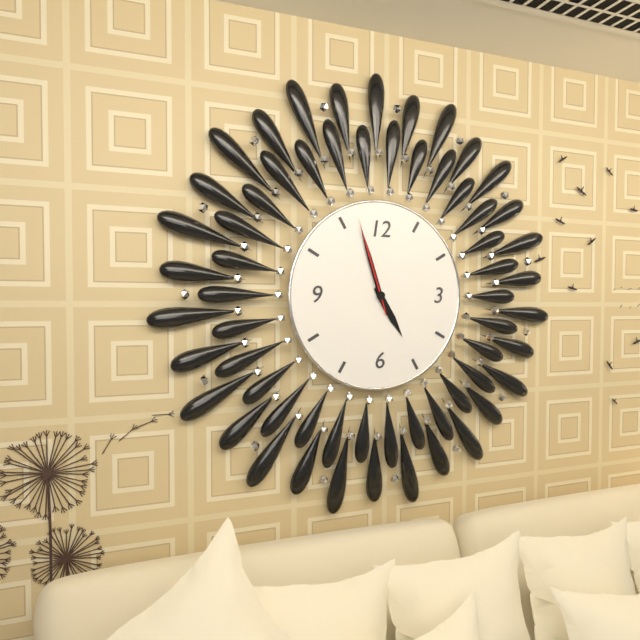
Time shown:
{"hour": 4, "minute": 57, "second": 57}
